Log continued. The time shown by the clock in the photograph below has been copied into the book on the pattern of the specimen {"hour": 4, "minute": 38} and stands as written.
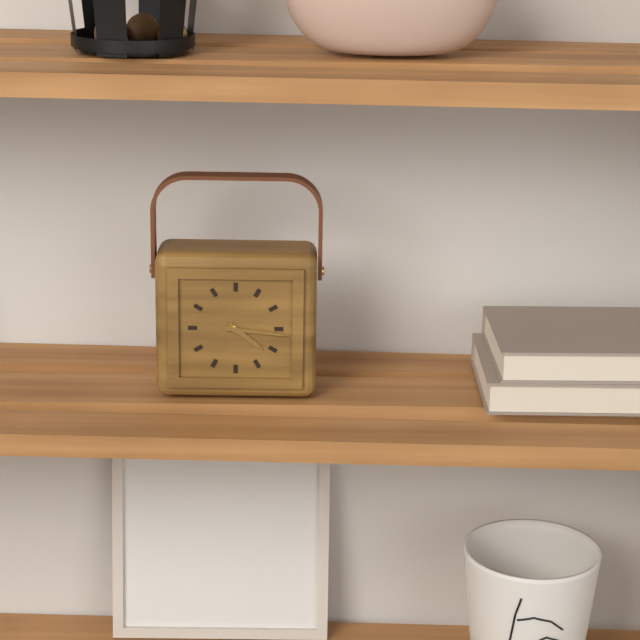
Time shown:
{"hour": 4, "minute": 16}
